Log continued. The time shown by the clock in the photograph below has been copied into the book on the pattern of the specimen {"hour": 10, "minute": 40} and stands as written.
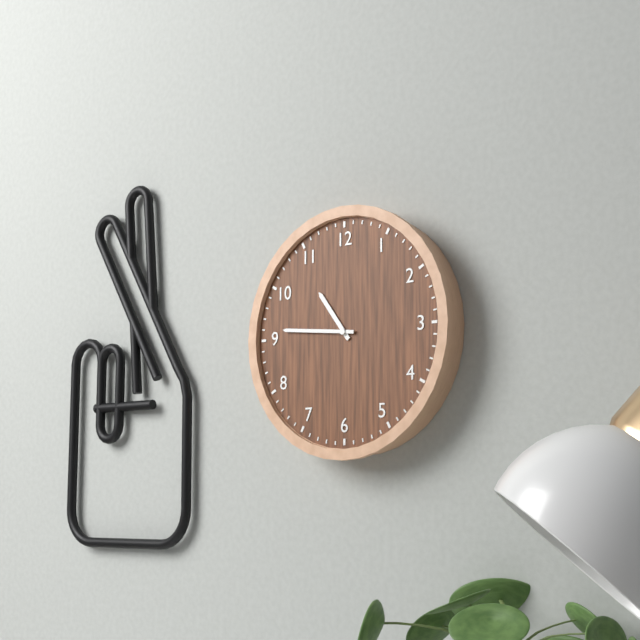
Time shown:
{"hour": 10, "minute": 46}
